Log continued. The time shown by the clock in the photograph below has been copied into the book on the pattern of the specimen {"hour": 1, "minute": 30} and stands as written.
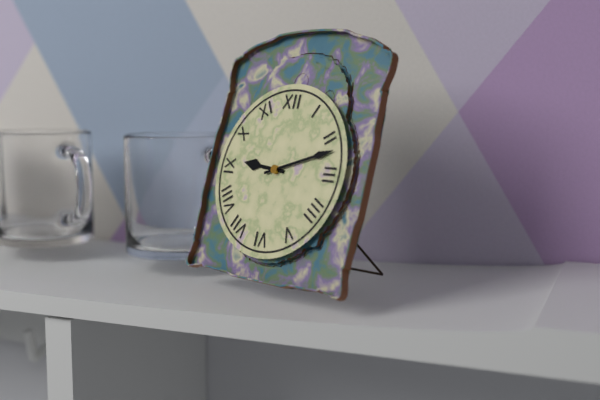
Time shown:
{"hour": 9, "minute": 12}
